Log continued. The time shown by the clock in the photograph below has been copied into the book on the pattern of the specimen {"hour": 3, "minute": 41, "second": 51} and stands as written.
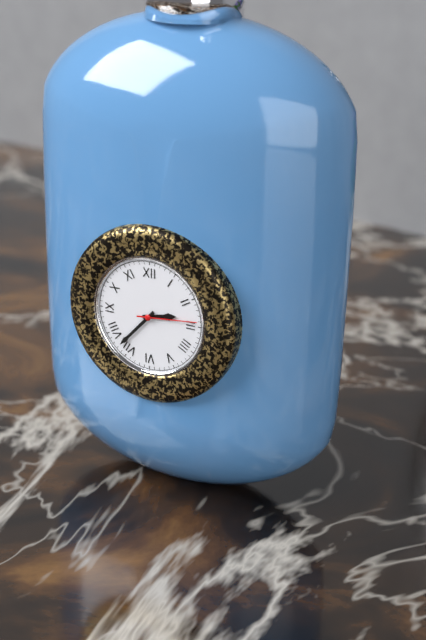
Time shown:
{"hour": 2, "minute": 37, "second": 14}
